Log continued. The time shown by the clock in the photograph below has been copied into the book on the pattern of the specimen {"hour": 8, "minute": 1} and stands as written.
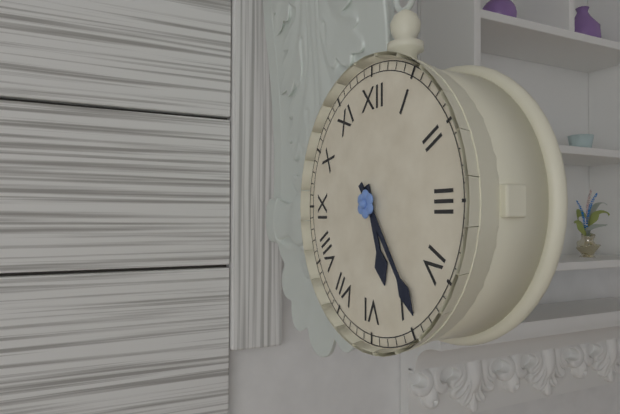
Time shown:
{"hour": 5, "minute": 24}
